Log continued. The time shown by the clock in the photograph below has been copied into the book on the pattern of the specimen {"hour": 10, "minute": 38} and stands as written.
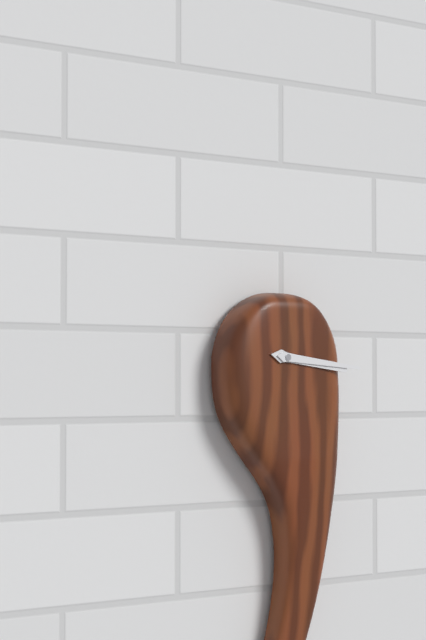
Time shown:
{"hour": 3, "minute": 16}
